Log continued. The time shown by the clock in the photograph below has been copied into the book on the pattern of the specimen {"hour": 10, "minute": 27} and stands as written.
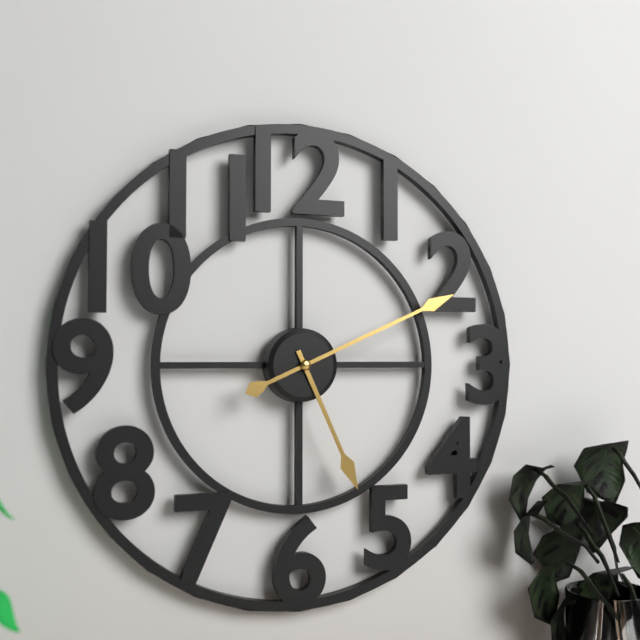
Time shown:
{"hour": 5, "minute": 11}
